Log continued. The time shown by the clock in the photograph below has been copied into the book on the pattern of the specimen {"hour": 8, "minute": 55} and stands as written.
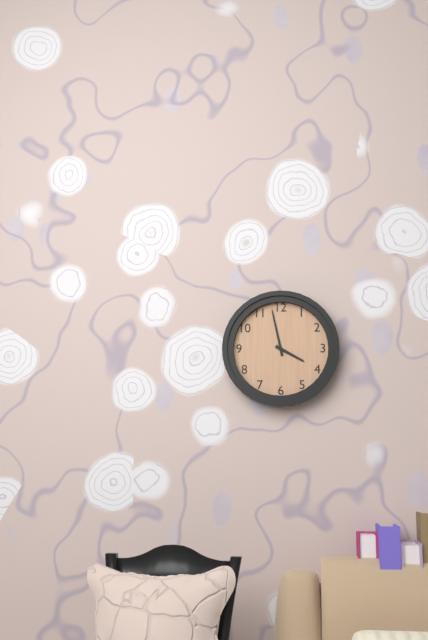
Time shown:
{"hour": 3, "minute": 58}
